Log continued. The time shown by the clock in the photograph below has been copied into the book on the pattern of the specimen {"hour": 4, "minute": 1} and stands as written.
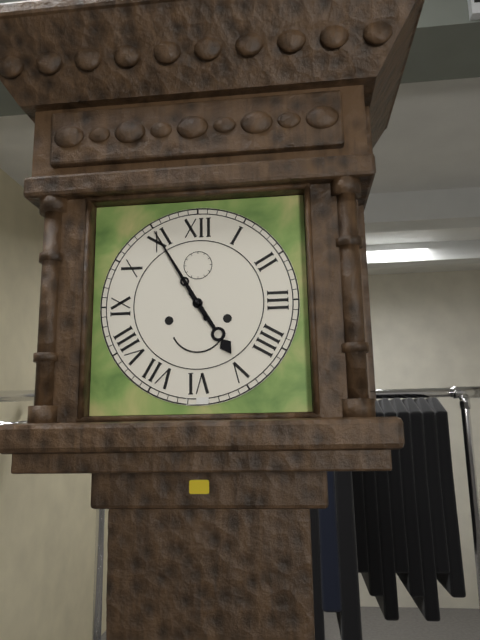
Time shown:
{"hour": 4, "minute": 55}
